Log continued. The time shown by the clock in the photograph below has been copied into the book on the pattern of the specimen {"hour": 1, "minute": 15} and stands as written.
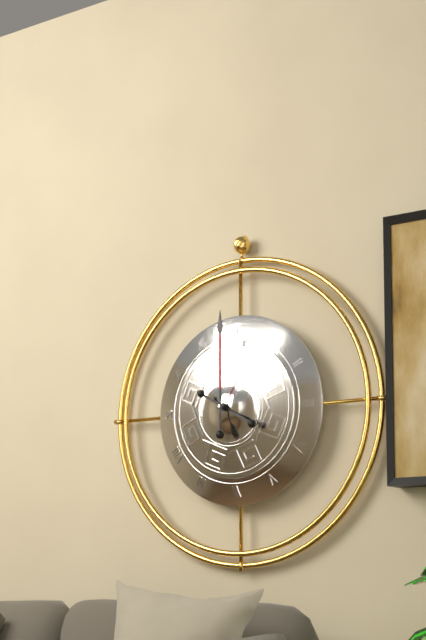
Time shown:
{"hour": 4, "minute": 0}
